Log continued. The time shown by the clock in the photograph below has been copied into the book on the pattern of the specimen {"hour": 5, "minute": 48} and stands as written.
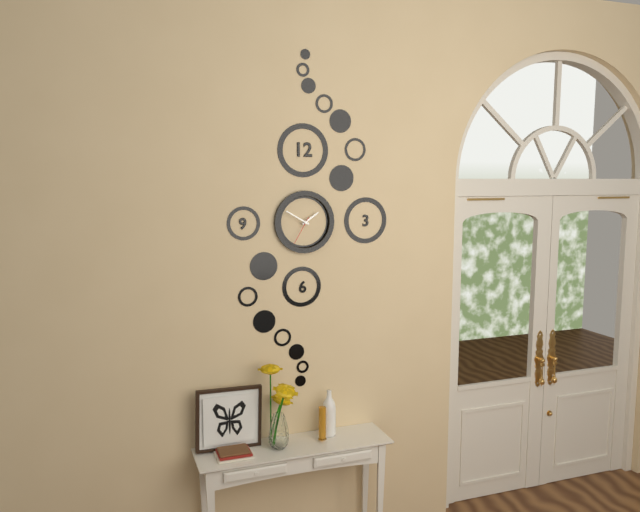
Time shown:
{"hour": 1, "minute": 50}
